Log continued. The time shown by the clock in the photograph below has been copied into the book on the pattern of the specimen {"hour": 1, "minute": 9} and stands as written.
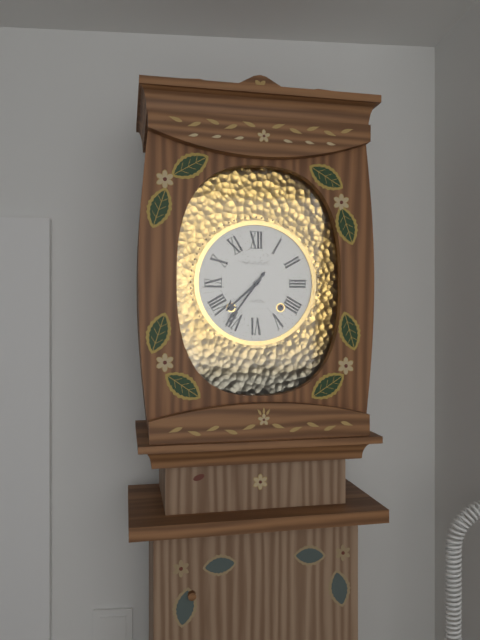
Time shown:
{"hour": 7, "minute": 36}
